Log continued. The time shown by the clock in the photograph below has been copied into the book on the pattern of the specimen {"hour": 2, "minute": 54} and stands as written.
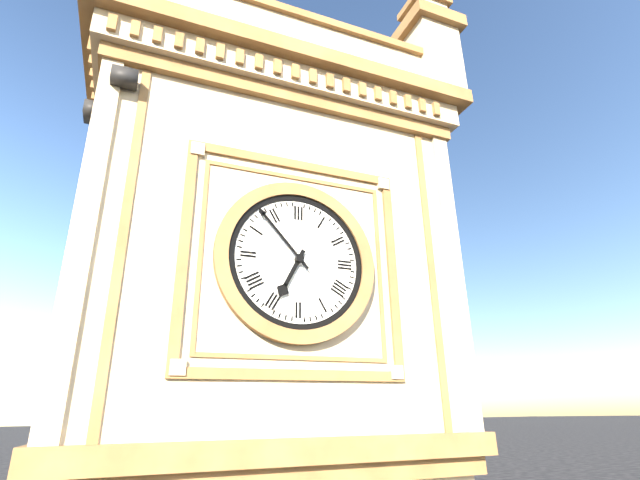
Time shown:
{"hour": 6, "minute": 53}
